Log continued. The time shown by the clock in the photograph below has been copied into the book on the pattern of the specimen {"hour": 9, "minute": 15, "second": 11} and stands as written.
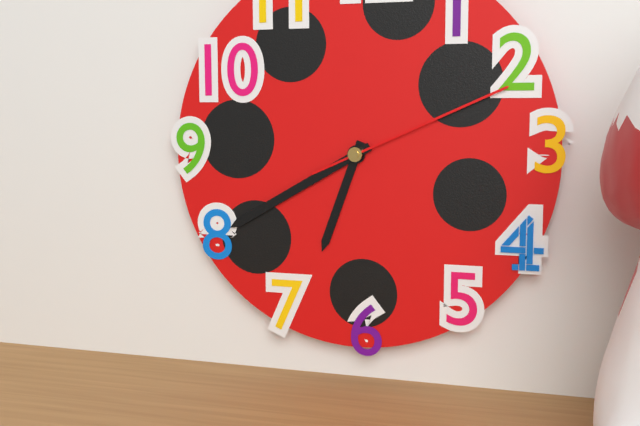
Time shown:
{"hour": 6, "minute": 40, "second": 11}
